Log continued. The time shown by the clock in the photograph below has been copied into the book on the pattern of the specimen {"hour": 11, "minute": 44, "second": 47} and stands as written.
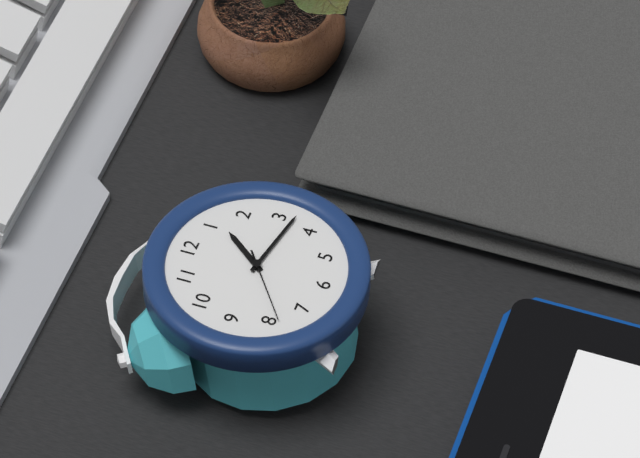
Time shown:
{"hour": 1, "minute": 17, "second": 39}
